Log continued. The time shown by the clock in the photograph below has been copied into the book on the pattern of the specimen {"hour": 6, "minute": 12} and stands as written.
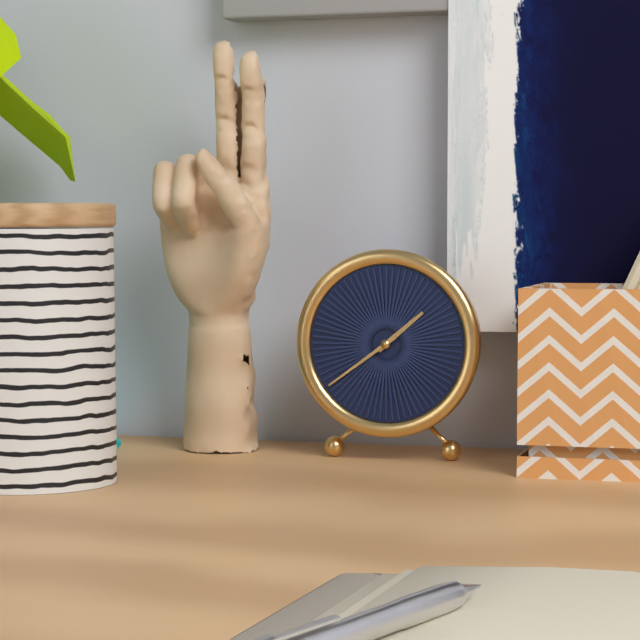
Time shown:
{"hour": 1, "minute": 39}
